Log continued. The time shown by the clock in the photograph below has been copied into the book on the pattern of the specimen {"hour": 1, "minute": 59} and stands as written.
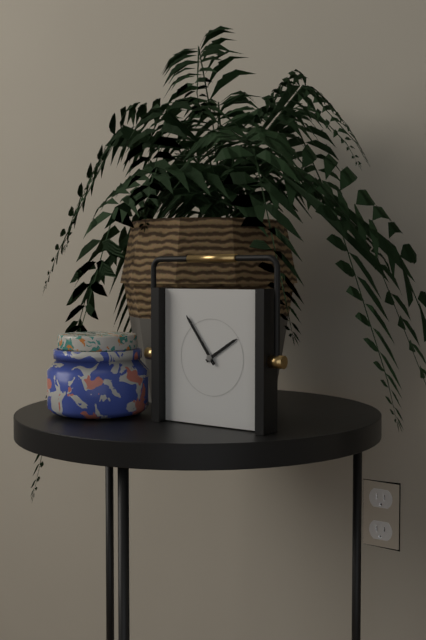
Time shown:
{"hour": 1, "minute": 54}
